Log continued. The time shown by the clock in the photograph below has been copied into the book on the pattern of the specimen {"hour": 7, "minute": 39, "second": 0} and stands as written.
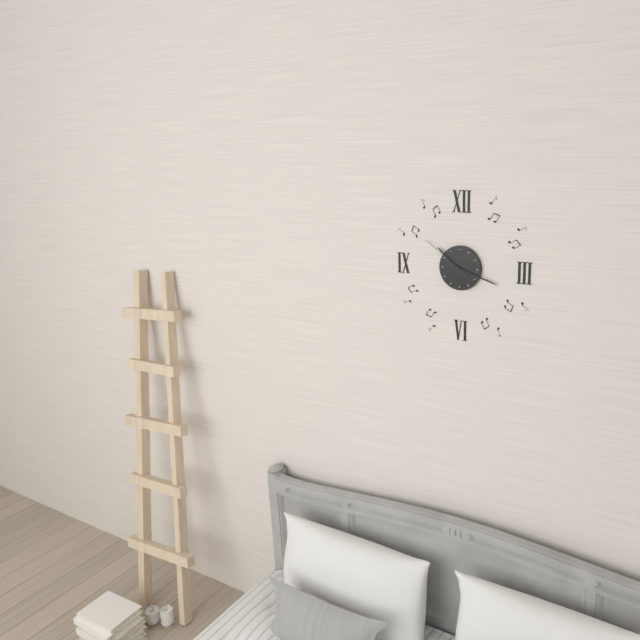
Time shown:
{"hour": 10, "minute": 18, "second": 51}
